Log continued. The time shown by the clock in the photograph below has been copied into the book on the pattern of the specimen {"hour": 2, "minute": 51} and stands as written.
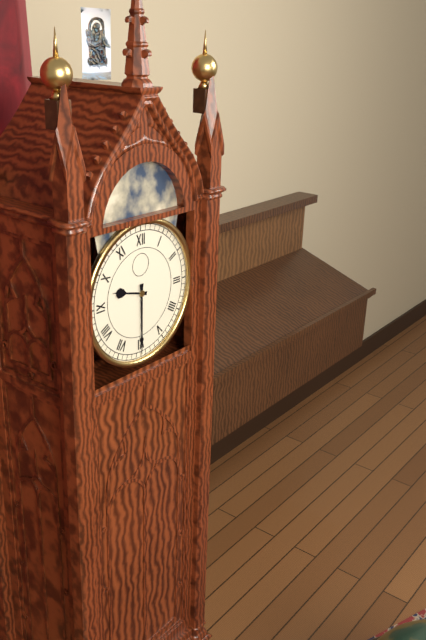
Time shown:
{"hour": 9, "minute": 30}
